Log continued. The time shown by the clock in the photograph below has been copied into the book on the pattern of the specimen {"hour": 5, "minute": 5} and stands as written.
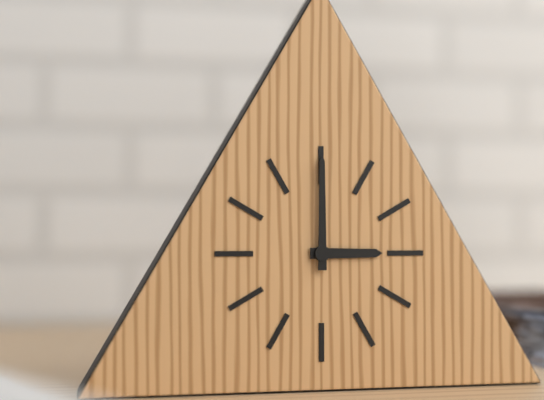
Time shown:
{"hour": 3, "minute": 0}
